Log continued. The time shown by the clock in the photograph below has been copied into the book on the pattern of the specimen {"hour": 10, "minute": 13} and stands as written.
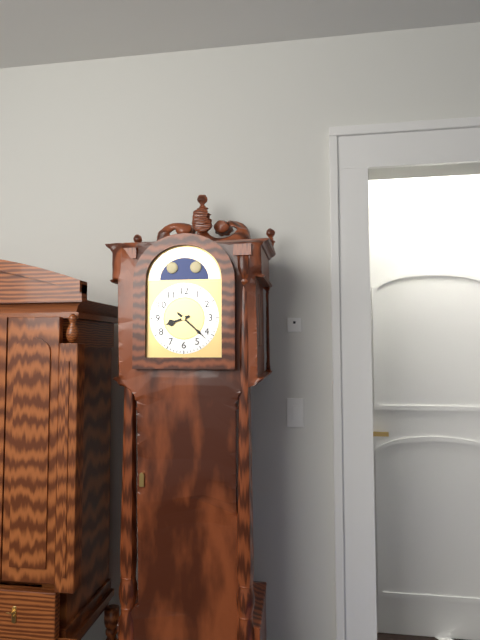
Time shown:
{"hour": 8, "minute": 22}
